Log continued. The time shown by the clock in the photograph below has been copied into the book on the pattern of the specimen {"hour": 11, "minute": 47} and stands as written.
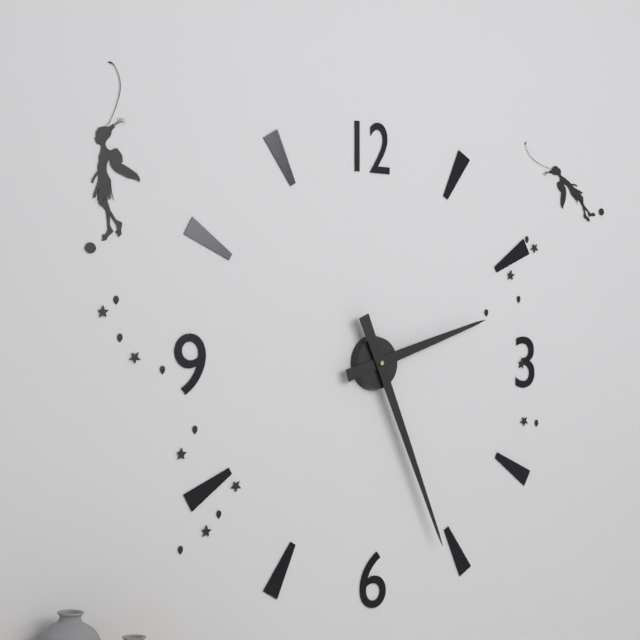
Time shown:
{"hour": 2, "minute": 26}
